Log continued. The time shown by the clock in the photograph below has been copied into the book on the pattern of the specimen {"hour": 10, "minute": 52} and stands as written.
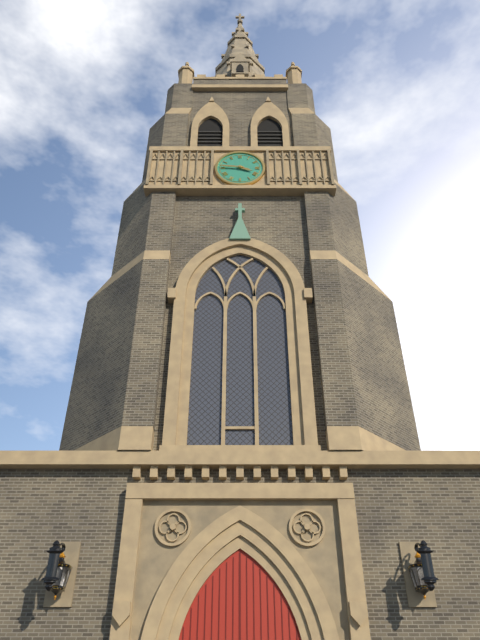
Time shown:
{"hour": 3, "minute": 46}
